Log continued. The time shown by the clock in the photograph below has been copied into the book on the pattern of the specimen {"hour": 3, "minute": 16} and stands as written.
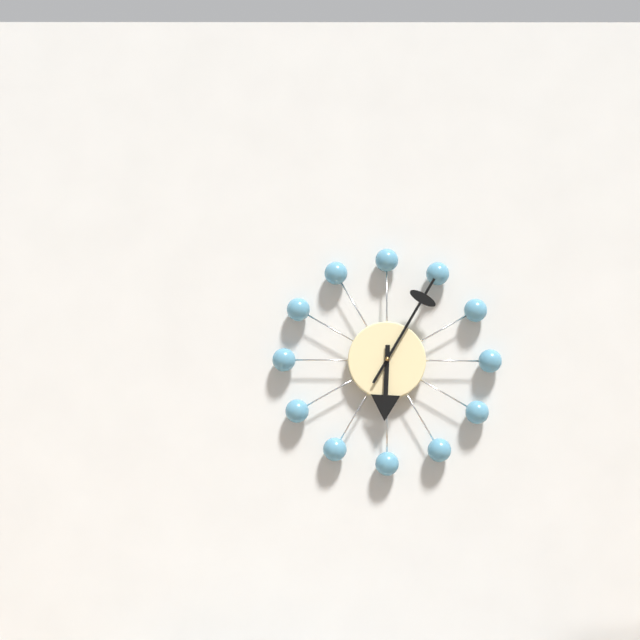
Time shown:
{"hour": 6, "minute": 5}
